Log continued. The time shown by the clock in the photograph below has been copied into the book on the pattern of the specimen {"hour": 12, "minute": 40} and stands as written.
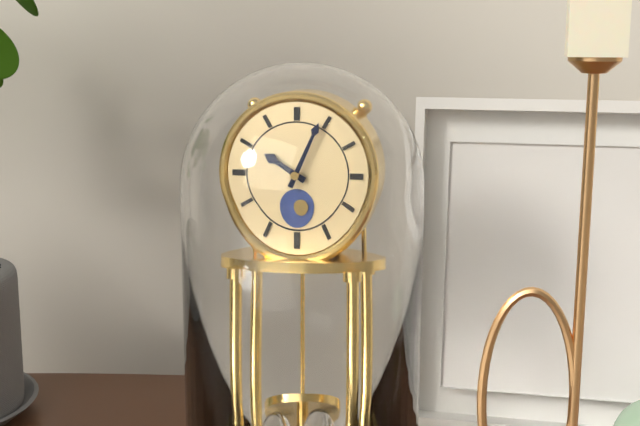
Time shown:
{"hour": 10, "minute": 4}
